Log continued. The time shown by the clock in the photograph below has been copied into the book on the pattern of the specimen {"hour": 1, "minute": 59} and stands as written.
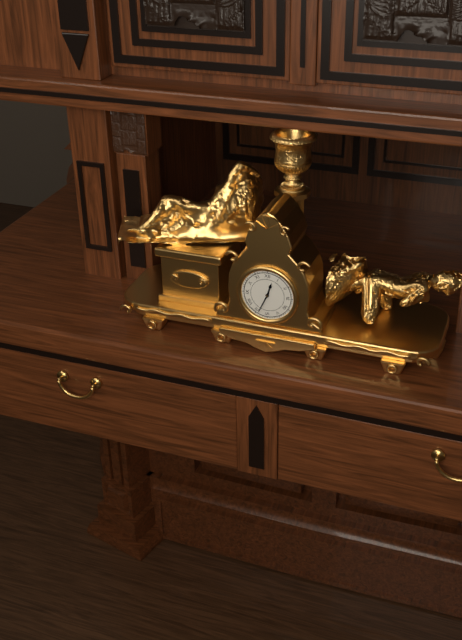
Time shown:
{"hour": 12, "minute": 34}
